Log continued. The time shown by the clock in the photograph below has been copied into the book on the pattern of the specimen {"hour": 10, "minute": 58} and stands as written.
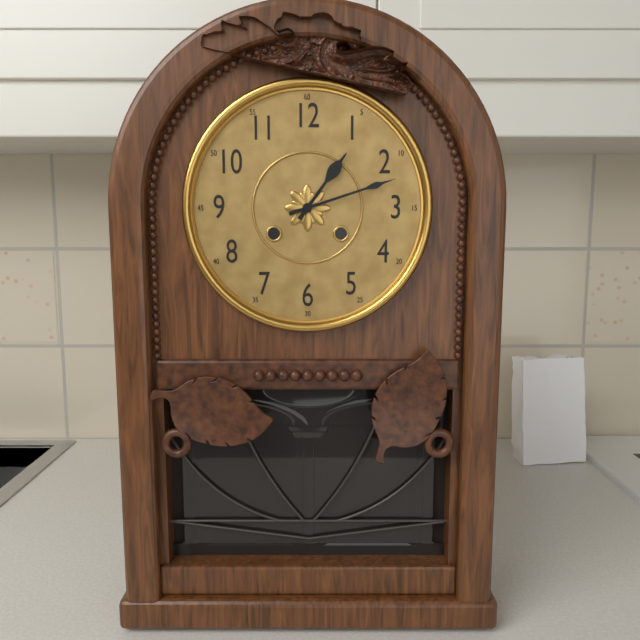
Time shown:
{"hour": 1, "minute": 12}
